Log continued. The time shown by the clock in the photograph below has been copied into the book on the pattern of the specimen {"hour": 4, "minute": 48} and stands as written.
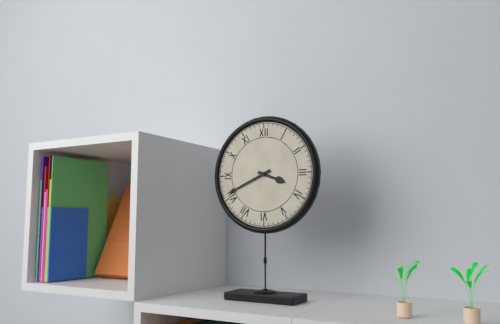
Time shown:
{"hour": 3, "minute": 41}
